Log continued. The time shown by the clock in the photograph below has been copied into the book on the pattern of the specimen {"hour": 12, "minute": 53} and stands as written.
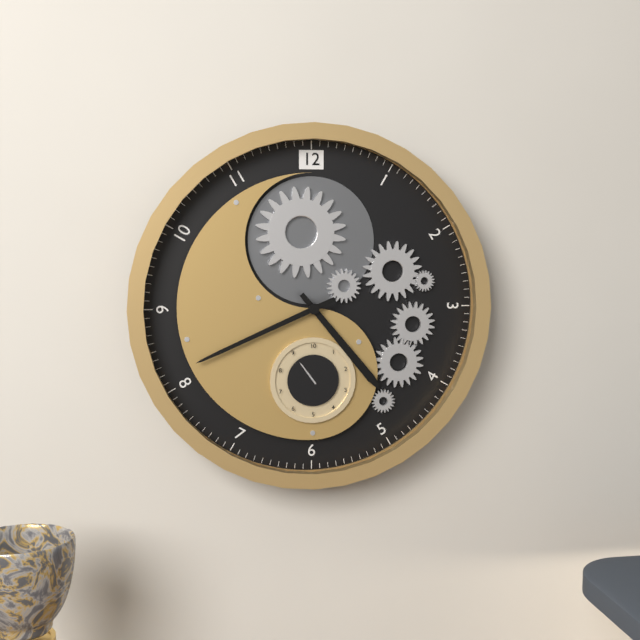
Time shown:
{"hour": 4, "minute": 41}
